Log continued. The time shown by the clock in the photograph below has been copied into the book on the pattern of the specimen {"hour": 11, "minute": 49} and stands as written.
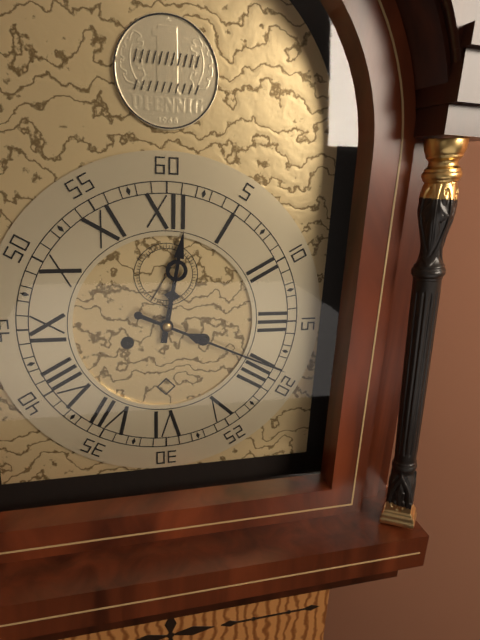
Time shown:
{"hour": 12, "minute": 19}
